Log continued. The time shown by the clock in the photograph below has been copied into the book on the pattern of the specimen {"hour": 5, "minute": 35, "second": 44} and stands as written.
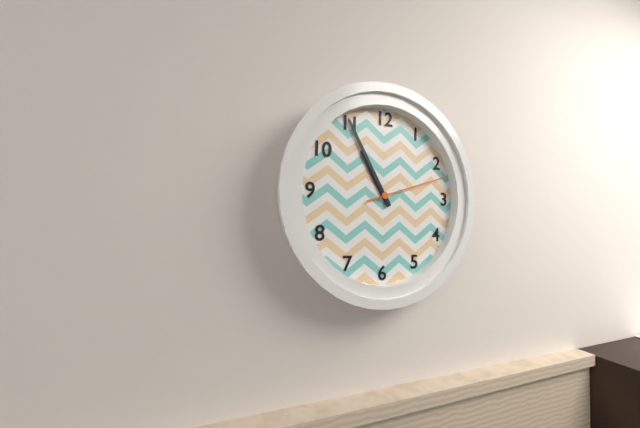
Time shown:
{"hour": 10, "minute": 55, "second": 12}
